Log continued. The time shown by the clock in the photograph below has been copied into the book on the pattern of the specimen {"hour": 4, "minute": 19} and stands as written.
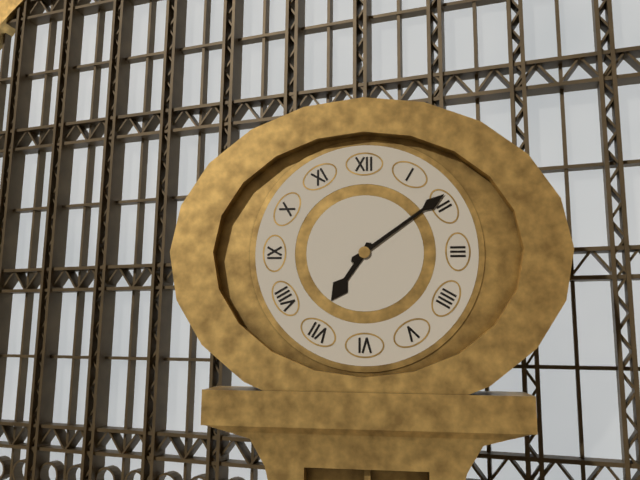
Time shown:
{"hour": 7, "minute": 9}
